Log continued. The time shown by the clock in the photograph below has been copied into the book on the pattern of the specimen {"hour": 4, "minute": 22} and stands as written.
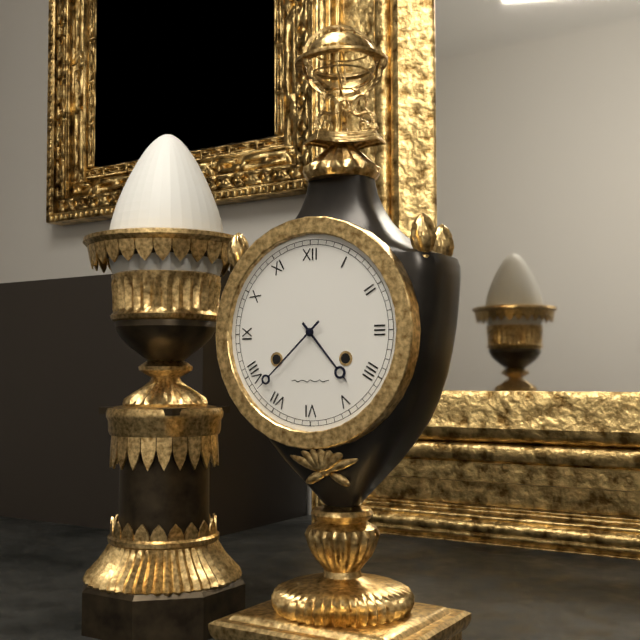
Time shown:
{"hour": 4, "minute": 38}
